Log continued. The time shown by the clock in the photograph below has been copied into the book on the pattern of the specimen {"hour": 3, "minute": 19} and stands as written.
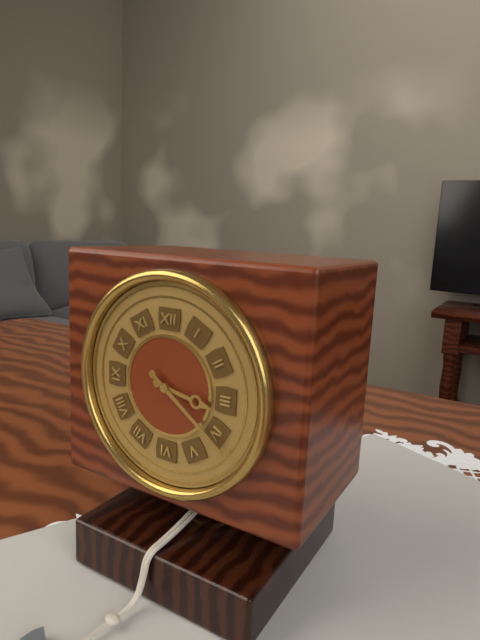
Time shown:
{"hour": 3, "minute": 21}
